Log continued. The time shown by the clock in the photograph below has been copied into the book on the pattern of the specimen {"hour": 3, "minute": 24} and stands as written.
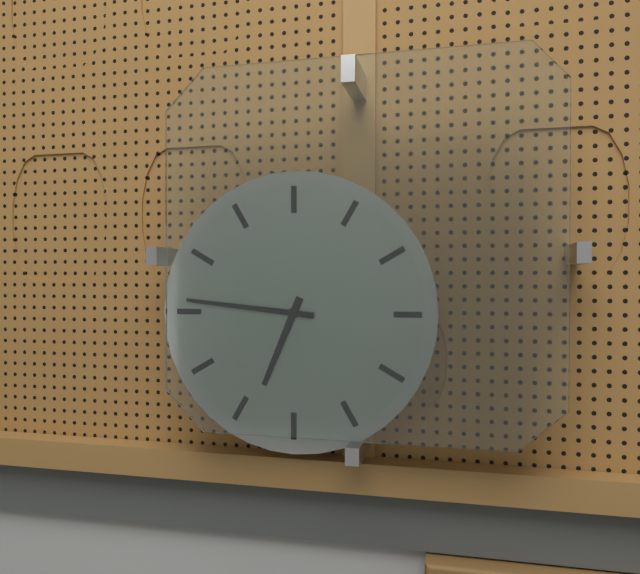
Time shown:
{"hour": 6, "minute": 46}
